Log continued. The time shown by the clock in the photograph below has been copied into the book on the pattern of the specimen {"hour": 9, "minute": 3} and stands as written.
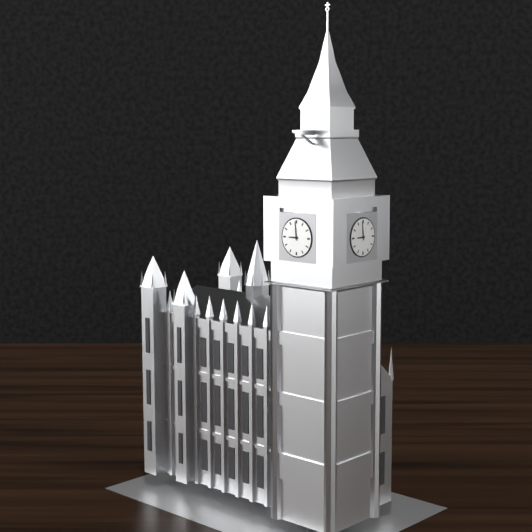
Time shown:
{"hour": 8, "minute": 59}
